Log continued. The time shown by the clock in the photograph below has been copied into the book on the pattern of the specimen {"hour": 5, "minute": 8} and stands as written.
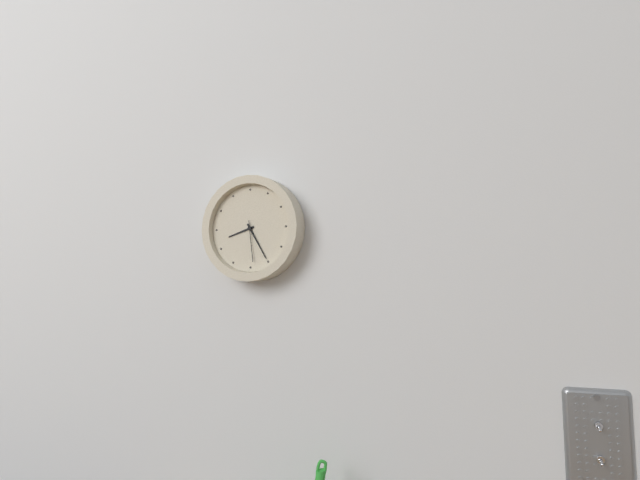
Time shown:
{"hour": 8, "minute": 25}
